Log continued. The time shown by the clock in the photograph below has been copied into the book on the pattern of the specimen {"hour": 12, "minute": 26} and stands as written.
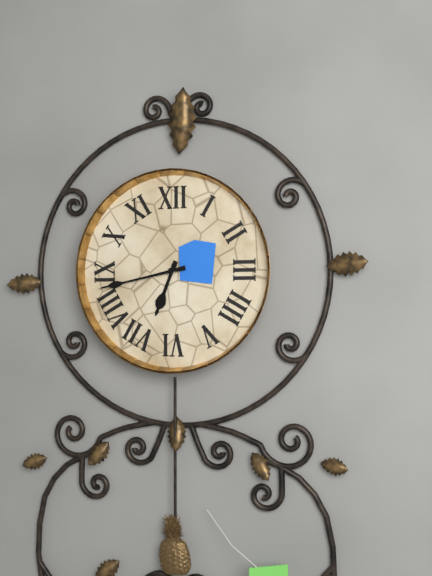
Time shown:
{"hour": 6, "minute": 43}
